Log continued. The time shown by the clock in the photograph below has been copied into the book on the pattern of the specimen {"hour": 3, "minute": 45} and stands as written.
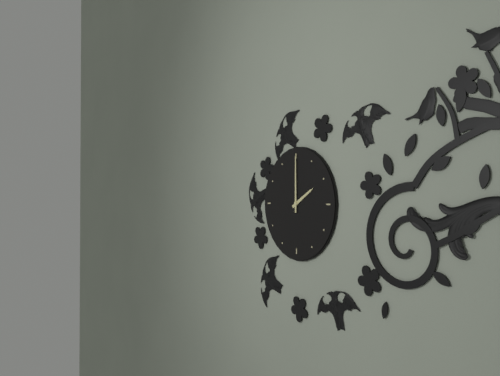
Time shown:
{"hour": 2, "minute": 0}
